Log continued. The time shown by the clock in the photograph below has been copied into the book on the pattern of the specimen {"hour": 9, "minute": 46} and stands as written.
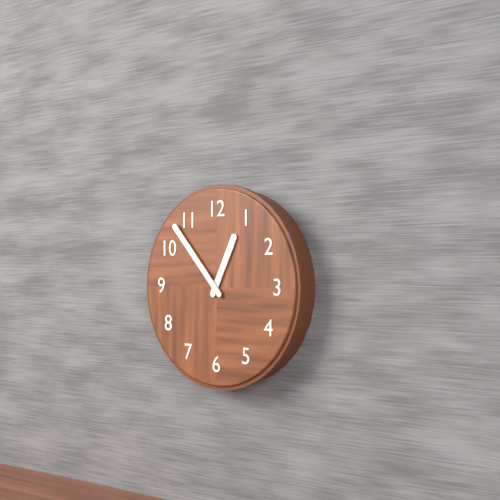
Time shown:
{"hour": 12, "minute": 53}
